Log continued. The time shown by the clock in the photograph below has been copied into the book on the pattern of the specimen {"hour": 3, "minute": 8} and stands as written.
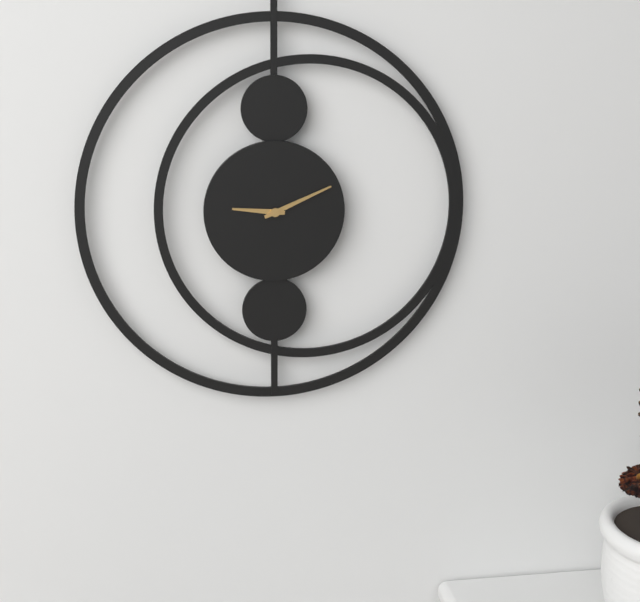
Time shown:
{"hour": 9, "minute": 11}
